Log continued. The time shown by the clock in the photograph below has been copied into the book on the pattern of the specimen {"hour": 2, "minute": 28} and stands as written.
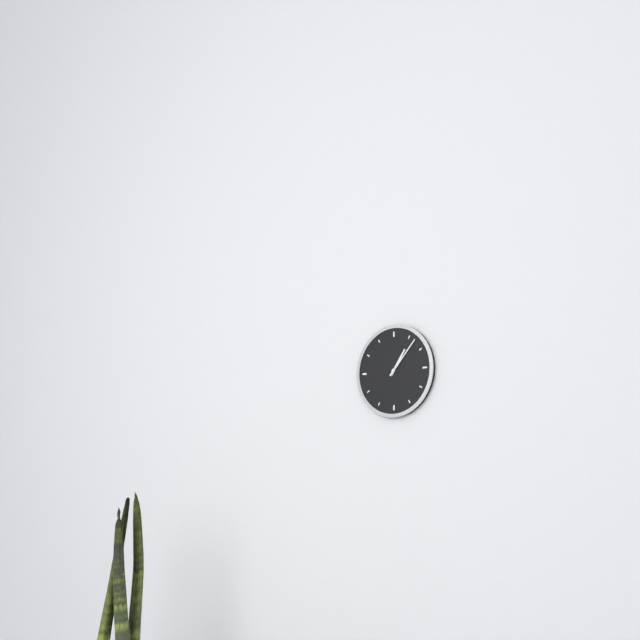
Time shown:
{"hour": 1, "minute": 7}
